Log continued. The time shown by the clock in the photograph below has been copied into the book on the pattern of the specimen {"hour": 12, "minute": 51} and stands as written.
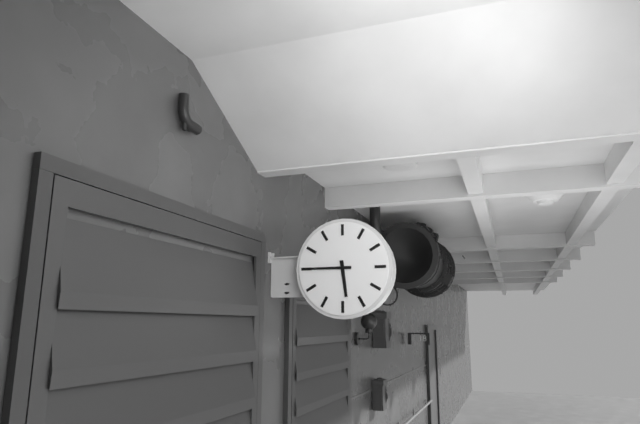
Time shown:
{"hour": 5, "minute": 45}
